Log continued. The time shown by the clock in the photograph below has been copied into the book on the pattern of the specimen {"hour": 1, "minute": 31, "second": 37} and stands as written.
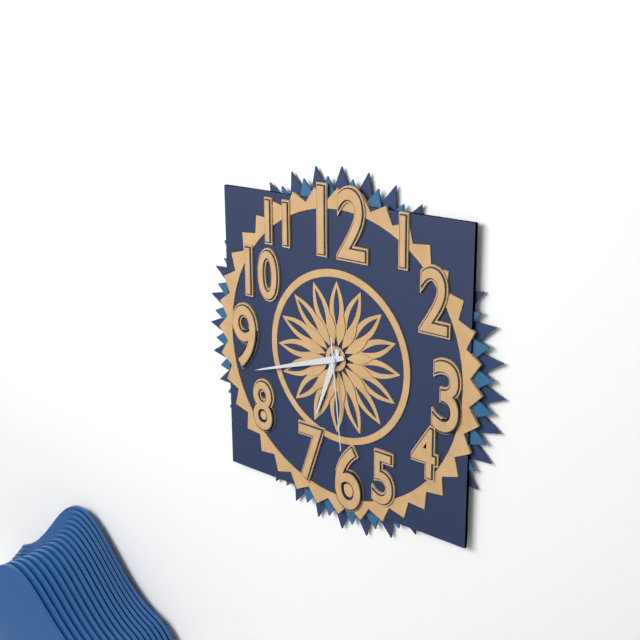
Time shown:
{"hour": 6, "minute": 42, "second": 29}
